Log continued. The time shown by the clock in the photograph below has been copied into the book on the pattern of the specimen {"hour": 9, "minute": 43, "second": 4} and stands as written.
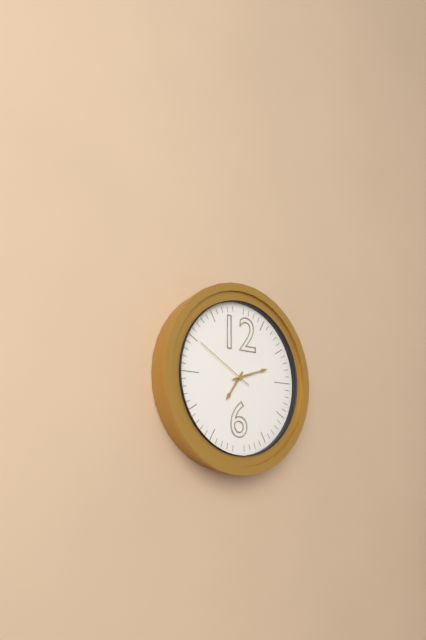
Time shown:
{"hour": 7, "minute": 12, "second": 50}
